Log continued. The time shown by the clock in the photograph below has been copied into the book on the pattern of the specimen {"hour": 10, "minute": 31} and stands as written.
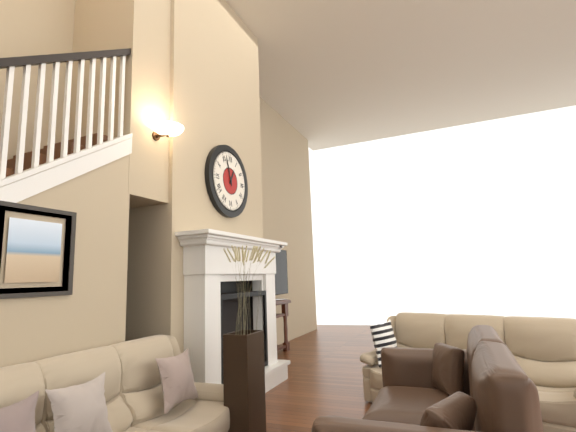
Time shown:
{"hour": 12, "minute": 57}
